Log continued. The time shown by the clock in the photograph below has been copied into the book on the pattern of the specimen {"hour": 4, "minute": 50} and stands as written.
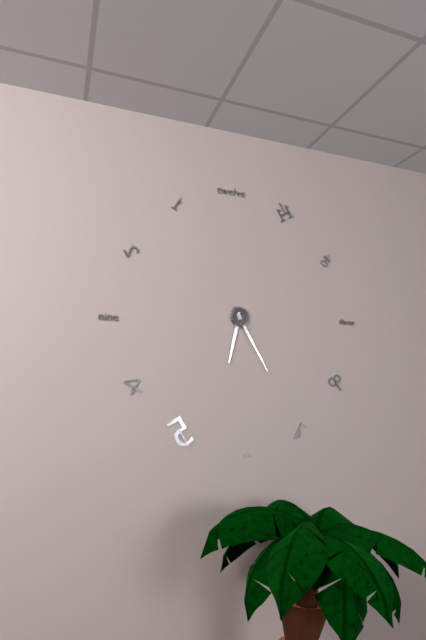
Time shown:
{"hour": 6, "minute": 25}
